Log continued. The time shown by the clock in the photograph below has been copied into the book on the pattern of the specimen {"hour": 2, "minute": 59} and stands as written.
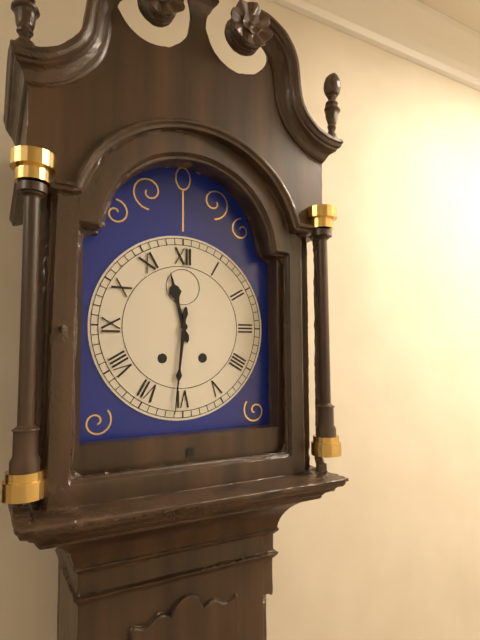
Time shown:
{"hour": 11, "minute": 31}
